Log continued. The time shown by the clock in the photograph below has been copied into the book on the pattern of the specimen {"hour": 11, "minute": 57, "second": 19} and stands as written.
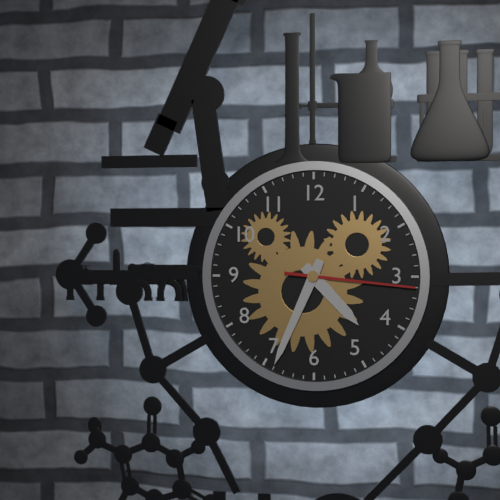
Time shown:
{"hour": 4, "minute": 34, "second": 16}
